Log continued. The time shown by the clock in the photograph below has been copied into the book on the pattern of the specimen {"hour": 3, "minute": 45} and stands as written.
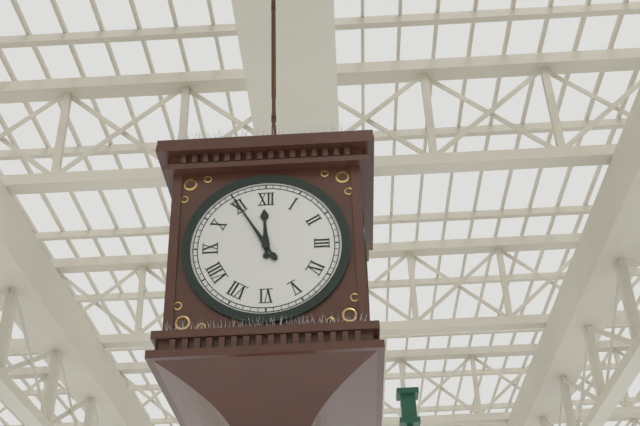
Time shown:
{"hour": 11, "minute": 55}
